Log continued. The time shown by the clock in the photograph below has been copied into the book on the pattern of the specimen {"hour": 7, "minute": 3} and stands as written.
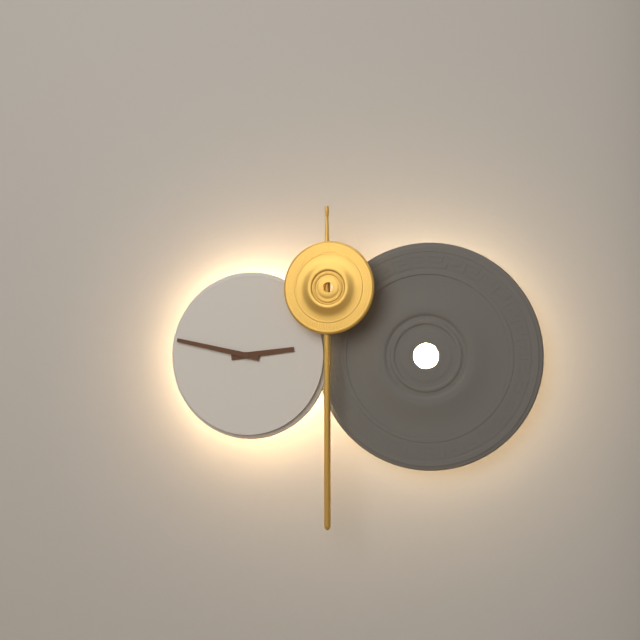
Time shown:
{"hour": 2, "minute": 47}
